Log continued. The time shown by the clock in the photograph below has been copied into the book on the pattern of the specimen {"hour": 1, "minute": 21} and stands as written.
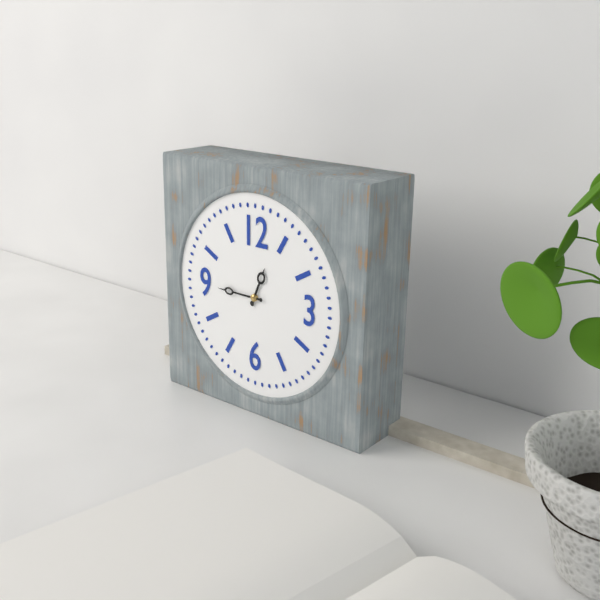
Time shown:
{"hour": 12, "minute": 45}
